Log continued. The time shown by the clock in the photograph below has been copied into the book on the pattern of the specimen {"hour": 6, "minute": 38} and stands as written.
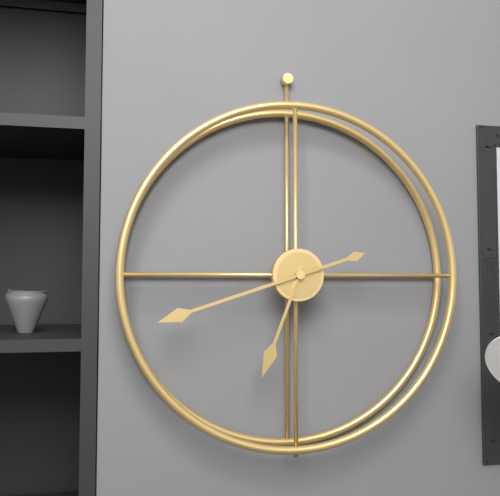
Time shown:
{"hour": 6, "minute": 42}
